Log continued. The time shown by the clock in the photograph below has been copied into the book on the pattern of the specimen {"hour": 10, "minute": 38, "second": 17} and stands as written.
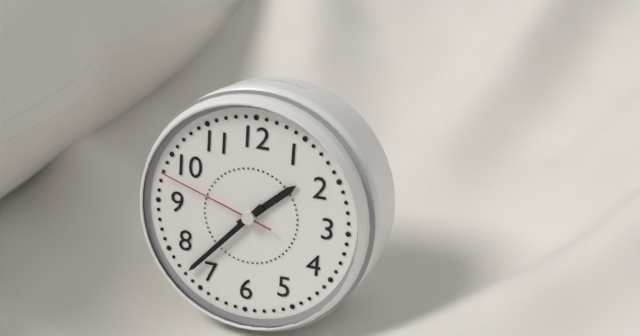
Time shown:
{"hour": 1, "minute": 37, "second": 48}
